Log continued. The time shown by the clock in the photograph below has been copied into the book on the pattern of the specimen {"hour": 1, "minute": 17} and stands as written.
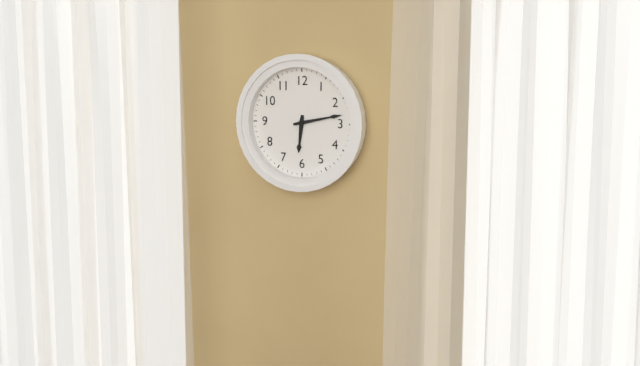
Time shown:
{"hour": 6, "minute": 13}
